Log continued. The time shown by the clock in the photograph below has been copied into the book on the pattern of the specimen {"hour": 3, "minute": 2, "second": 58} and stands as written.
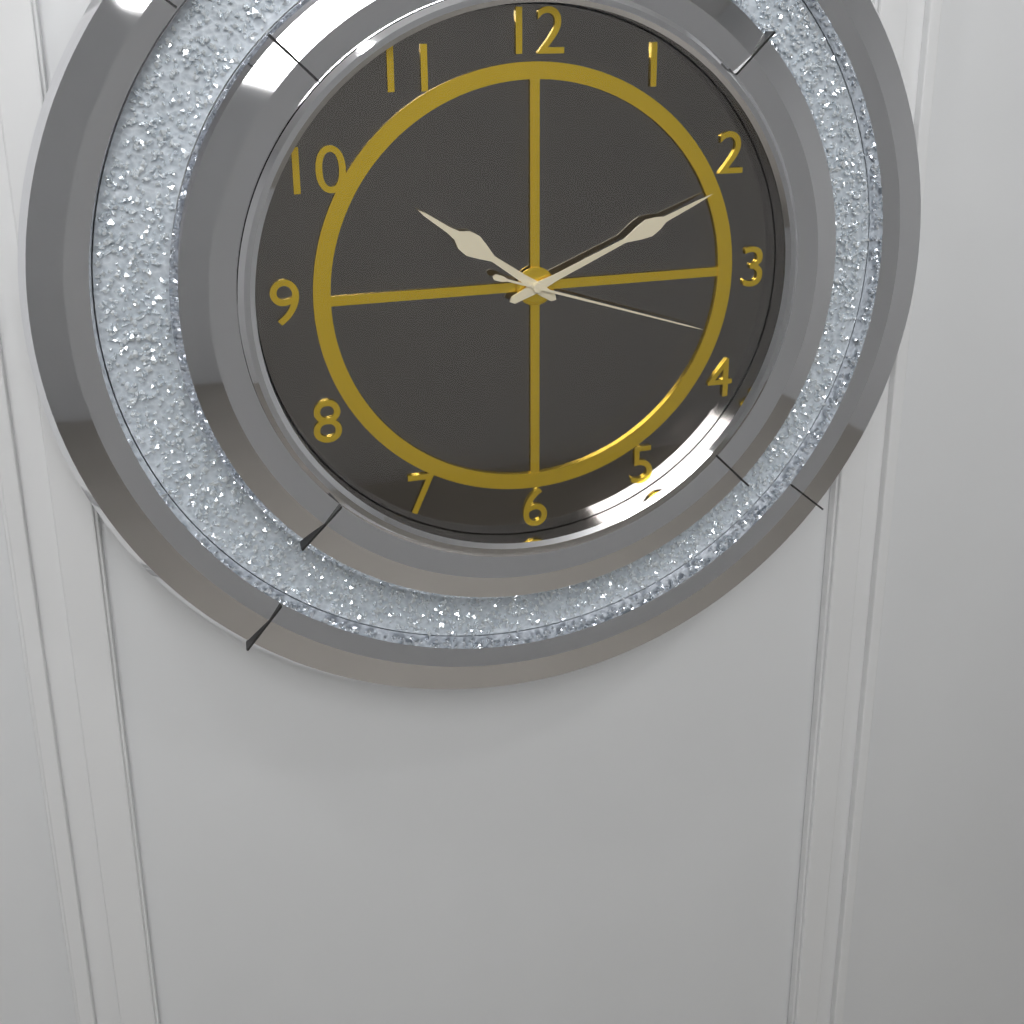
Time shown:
{"hour": 10, "minute": 11, "second": 18}
